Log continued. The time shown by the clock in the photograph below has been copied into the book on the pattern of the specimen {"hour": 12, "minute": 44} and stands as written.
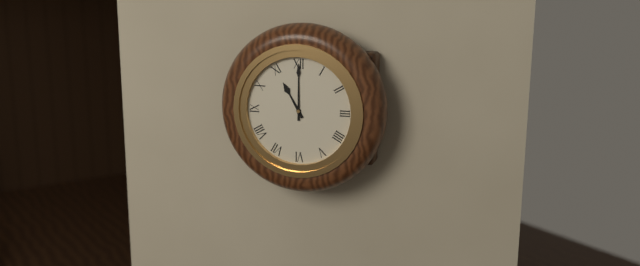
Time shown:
{"hour": 11, "minute": 0}
